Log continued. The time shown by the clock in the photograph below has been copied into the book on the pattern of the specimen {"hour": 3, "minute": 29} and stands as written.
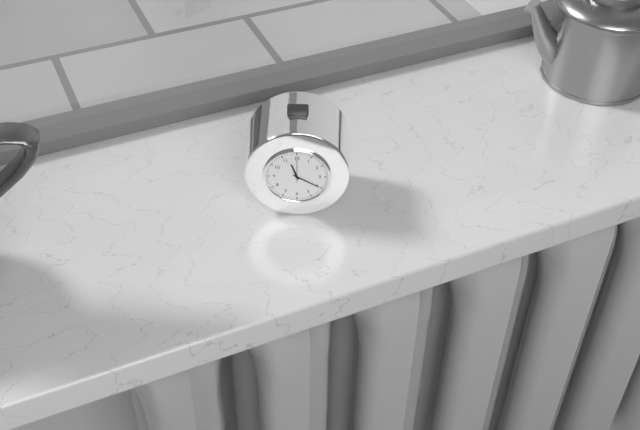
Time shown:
{"hour": 11, "minute": 20}
